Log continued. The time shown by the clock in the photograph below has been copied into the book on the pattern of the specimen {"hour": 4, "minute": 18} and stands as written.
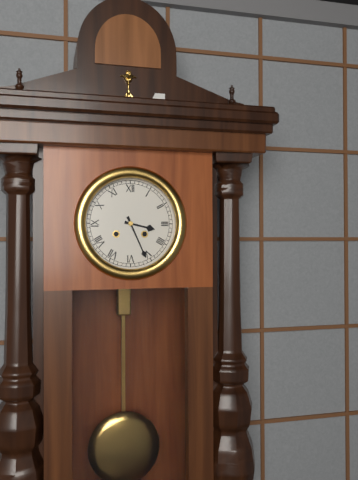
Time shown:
{"hour": 3, "minute": 26}
